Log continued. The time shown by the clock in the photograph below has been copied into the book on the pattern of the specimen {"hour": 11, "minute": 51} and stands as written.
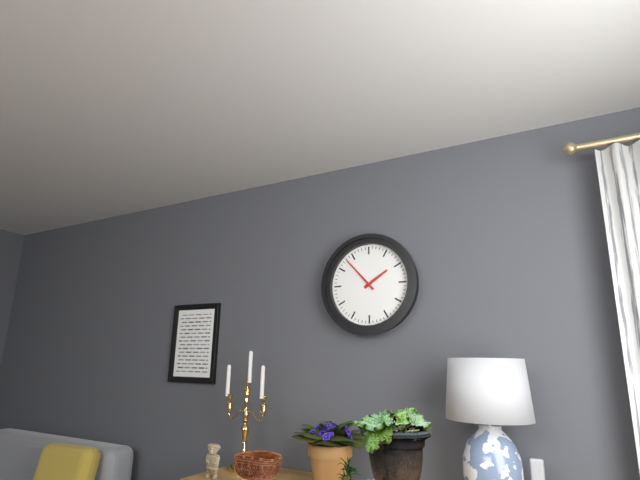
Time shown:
{"hour": 1, "minute": 53}
